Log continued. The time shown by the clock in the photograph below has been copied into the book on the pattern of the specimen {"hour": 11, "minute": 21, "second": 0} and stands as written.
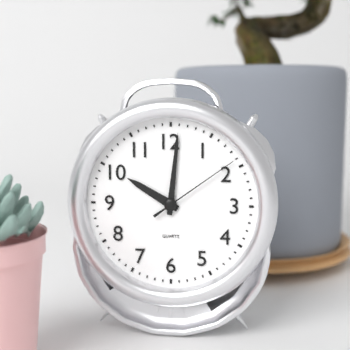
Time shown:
{"hour": 10, "minute": 1, "second": 9}
